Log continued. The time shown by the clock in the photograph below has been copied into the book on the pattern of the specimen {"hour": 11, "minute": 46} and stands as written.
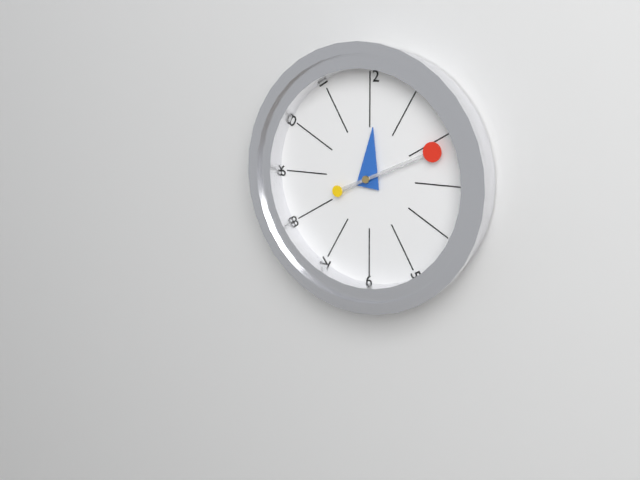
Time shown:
{"hour": 12, "minute": 11}
